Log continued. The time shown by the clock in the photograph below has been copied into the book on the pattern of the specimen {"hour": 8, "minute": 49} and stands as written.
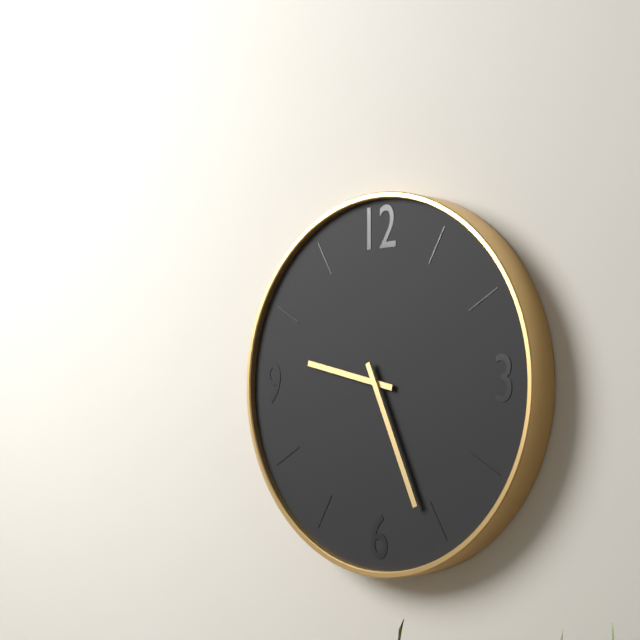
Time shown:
{"hour": 9, "minute": 26}
